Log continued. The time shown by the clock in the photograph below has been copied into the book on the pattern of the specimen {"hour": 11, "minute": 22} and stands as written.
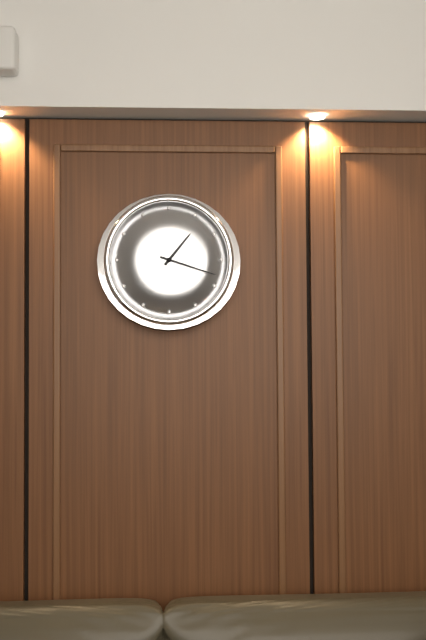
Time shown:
{"hour": 1, "minute": 18}
